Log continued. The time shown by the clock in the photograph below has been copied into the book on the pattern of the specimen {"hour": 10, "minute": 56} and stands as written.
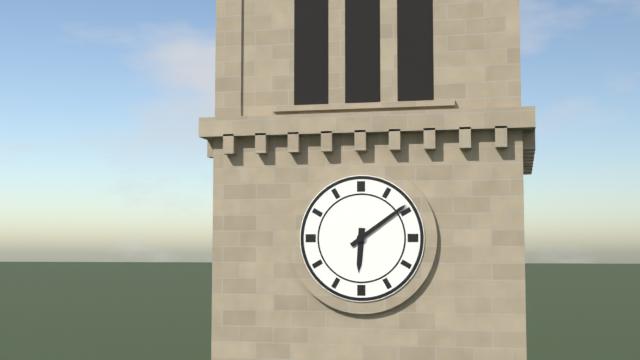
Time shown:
{"hour": 6, "minute": 9}
